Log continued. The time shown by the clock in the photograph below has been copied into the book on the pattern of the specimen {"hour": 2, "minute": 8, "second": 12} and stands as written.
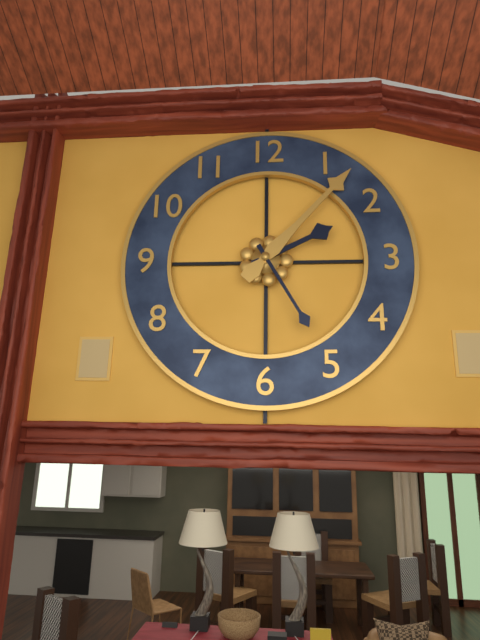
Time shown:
{"hour": 2, "minute": 7, "second": 25}
